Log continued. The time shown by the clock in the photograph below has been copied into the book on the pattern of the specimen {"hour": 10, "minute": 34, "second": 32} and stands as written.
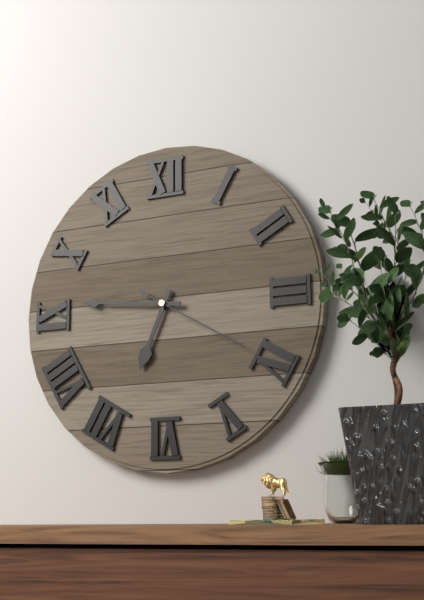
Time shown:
{"hour": 6, "minute": 46, "second": 20}
